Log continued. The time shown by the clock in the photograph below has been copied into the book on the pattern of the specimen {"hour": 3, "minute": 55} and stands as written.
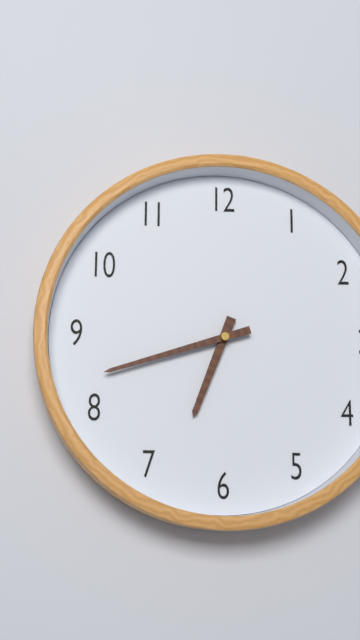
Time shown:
{"hour": 6, "minute": 42}
